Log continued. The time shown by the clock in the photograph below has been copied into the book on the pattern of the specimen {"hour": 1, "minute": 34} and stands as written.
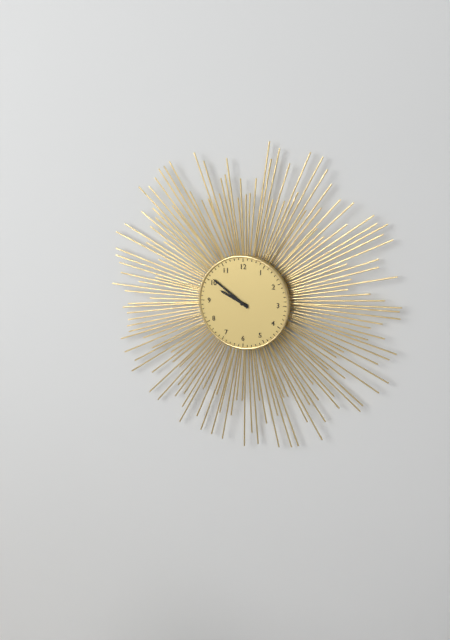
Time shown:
{"hour": 9, "minute": 51}
